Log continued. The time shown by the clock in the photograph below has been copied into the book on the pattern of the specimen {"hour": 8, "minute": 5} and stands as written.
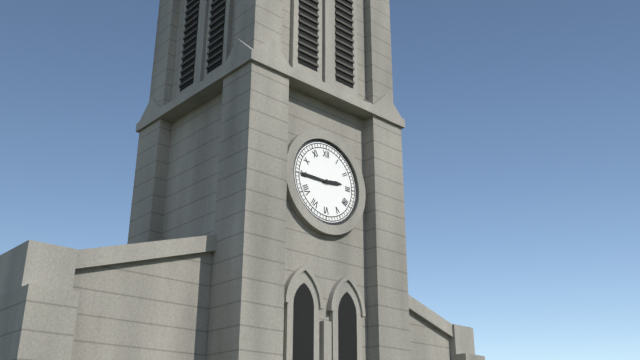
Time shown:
{"hour": 2, "minute": 45}
